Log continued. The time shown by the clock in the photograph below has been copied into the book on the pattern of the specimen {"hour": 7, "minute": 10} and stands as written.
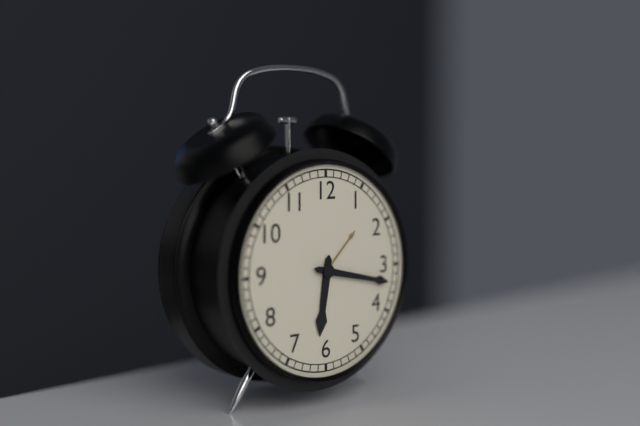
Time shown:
{"hour": 6, "minute": 17}
